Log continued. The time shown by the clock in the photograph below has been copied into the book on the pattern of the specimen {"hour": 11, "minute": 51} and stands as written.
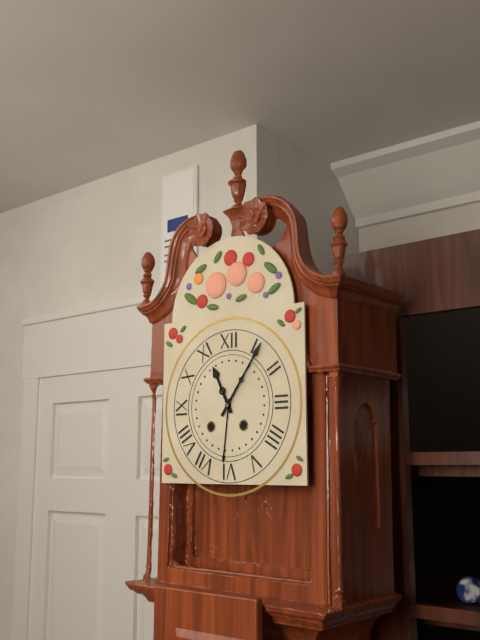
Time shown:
{"hour": 11, "minute": 6}
